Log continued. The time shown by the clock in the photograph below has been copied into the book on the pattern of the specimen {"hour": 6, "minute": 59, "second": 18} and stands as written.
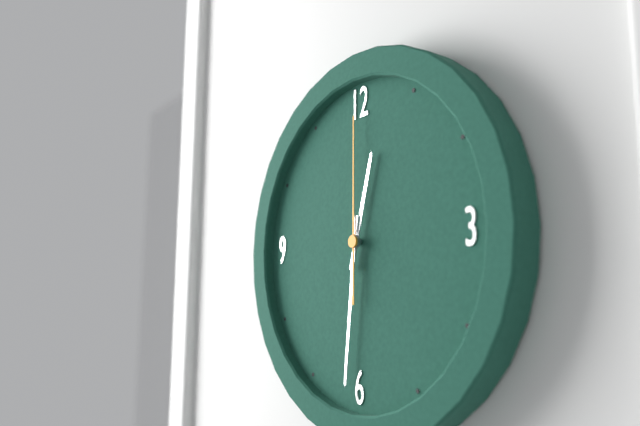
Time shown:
{"hour": 12, "minute": 31, "second": 0}
